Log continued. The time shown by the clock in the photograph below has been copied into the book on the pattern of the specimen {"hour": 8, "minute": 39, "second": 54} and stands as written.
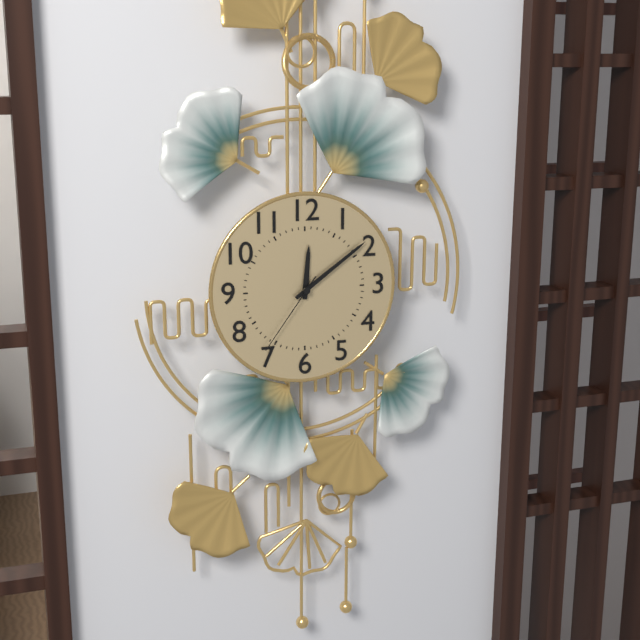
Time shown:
{"hour": 12, "minute": 9, "second": 36}
